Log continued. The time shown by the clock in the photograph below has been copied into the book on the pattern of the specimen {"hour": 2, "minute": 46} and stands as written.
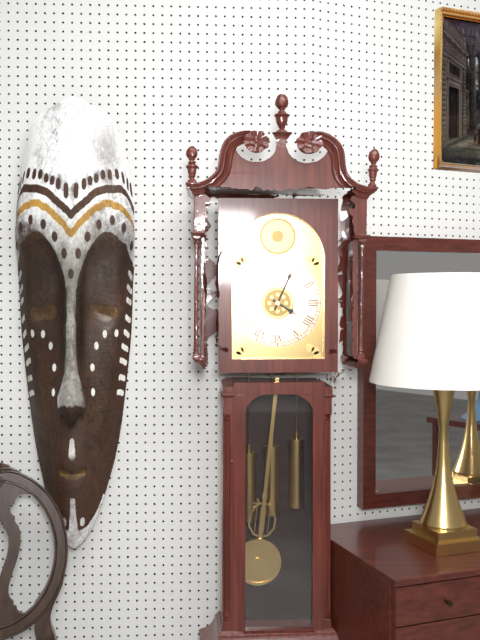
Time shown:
{"hour": 4, "minute": 4}
